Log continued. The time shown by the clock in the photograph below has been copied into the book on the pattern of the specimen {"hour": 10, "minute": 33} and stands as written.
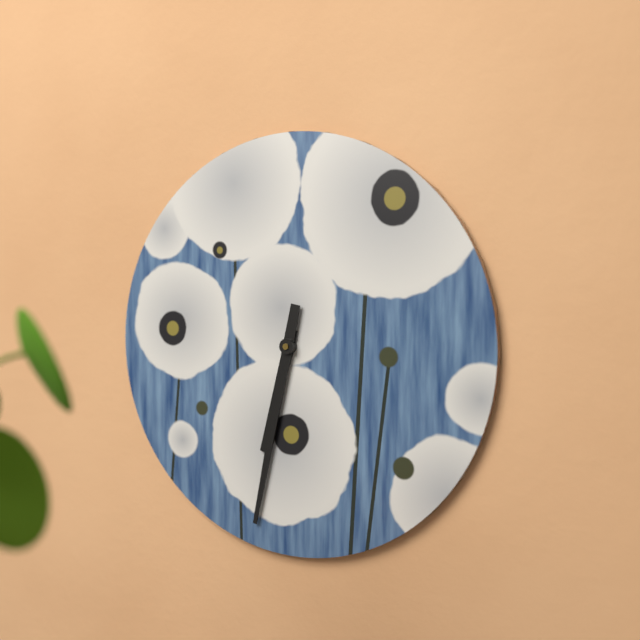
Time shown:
{"hour": 6, "minute": 32}
